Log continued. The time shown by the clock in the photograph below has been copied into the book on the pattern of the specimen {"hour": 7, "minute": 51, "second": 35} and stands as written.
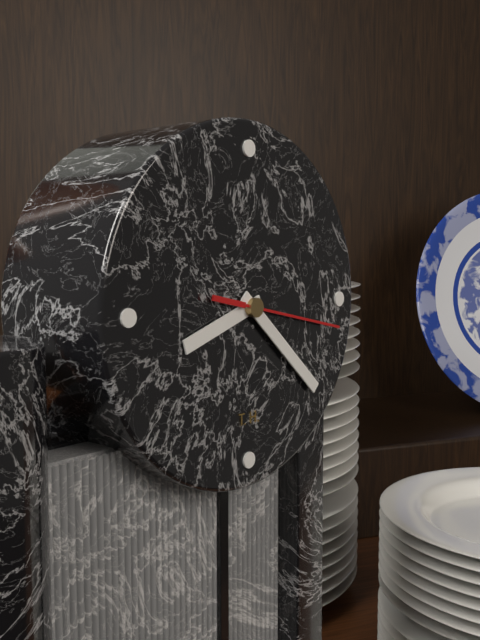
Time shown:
{"hour": 8, "minute": 22, "second": 17}
